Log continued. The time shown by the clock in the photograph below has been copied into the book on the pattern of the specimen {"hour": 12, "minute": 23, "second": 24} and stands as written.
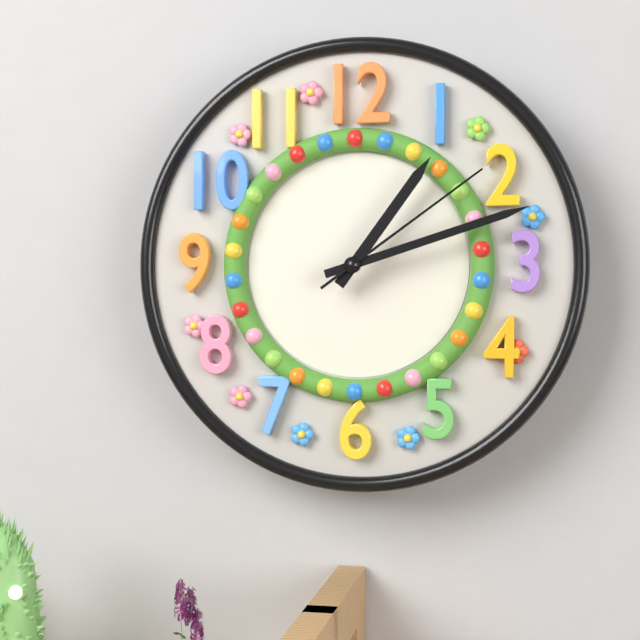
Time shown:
{"hour": 1, "minute": 12, "second": 9}
